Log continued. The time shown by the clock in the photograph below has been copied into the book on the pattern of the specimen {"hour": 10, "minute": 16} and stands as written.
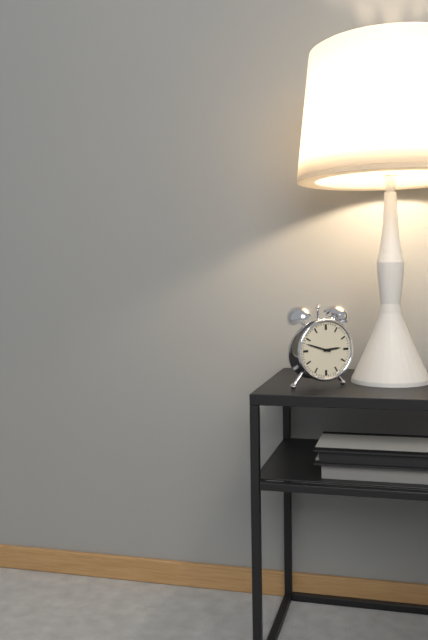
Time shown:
{"hour": 2, "minute": 48}
